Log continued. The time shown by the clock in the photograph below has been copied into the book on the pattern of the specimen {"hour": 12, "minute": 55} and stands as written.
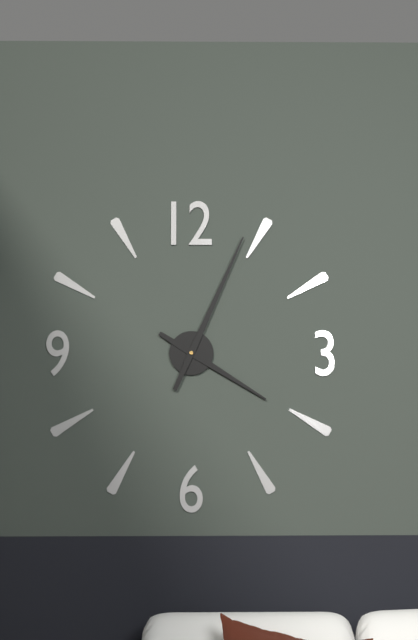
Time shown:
{"hour": 4, "minute": 4}
